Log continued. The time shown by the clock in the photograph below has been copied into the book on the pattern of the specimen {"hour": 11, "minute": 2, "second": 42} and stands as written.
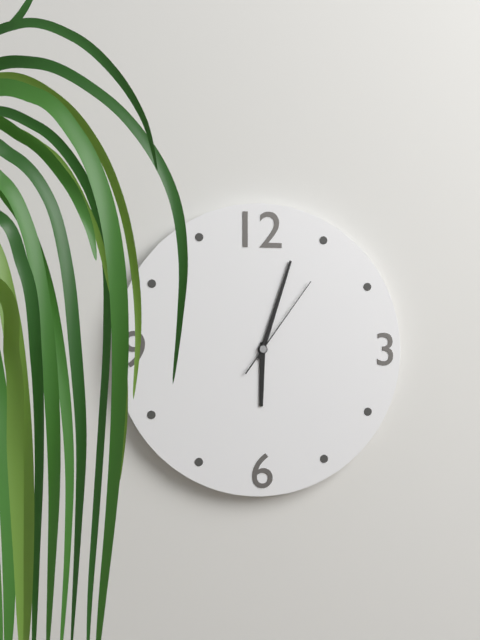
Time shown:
{"hour": 6, "minute": 3, "second": 6}
